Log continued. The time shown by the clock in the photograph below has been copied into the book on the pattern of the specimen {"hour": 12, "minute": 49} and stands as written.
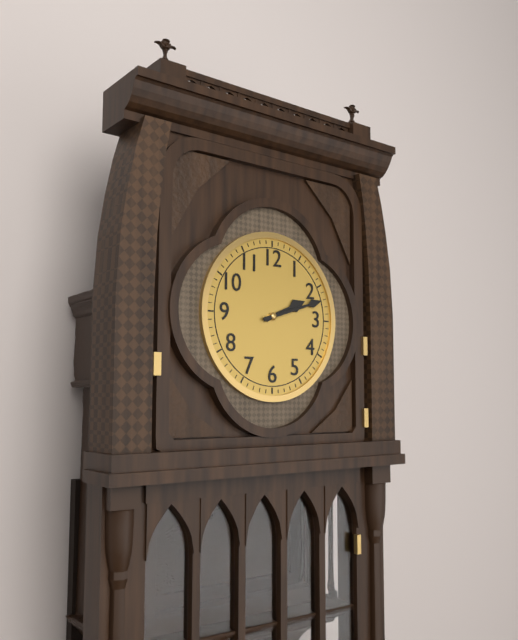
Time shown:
{"hour": 2, "minute": 12}
